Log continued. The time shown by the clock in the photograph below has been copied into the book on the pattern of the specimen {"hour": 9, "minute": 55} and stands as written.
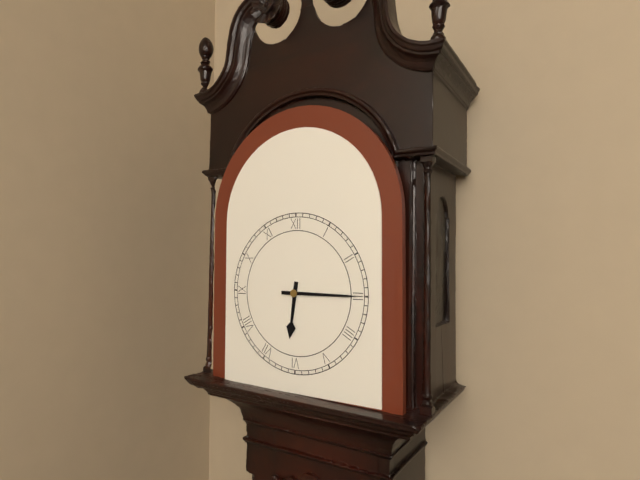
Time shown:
{"hour": 6, "minute": 15}
